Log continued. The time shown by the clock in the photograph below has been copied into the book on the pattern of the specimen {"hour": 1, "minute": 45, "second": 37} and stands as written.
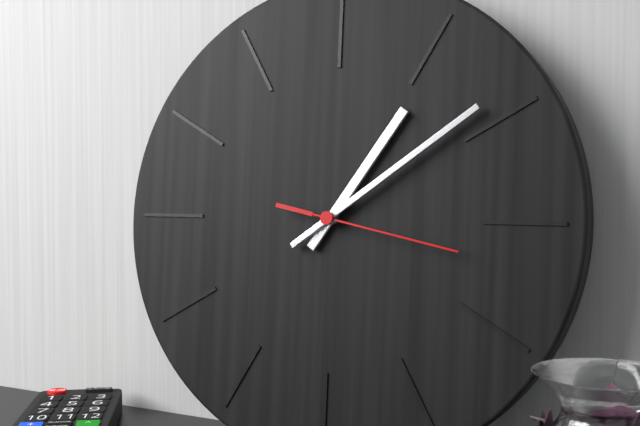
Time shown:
{"hour": 1, "minute": 9, "second": 17}
